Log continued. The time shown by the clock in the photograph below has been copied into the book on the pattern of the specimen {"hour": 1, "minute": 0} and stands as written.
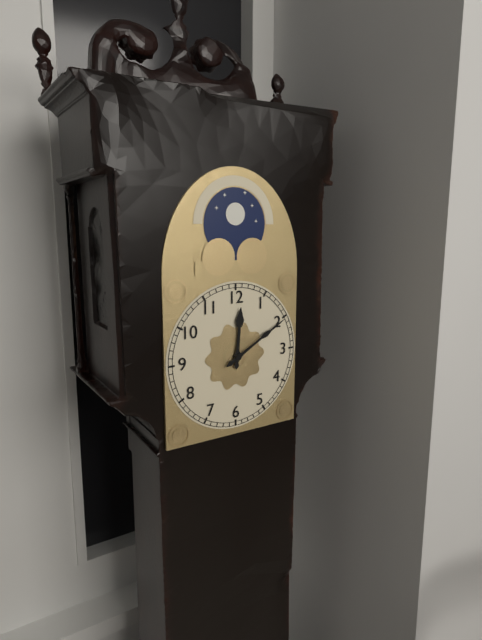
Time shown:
{"hour": 12, "minute": 10}
